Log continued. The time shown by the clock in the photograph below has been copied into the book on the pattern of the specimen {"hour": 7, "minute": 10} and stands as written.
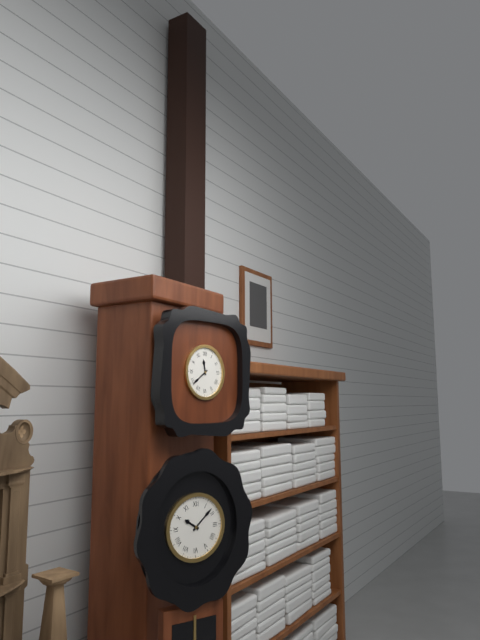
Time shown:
{"hour": 11, "minute": 39}
